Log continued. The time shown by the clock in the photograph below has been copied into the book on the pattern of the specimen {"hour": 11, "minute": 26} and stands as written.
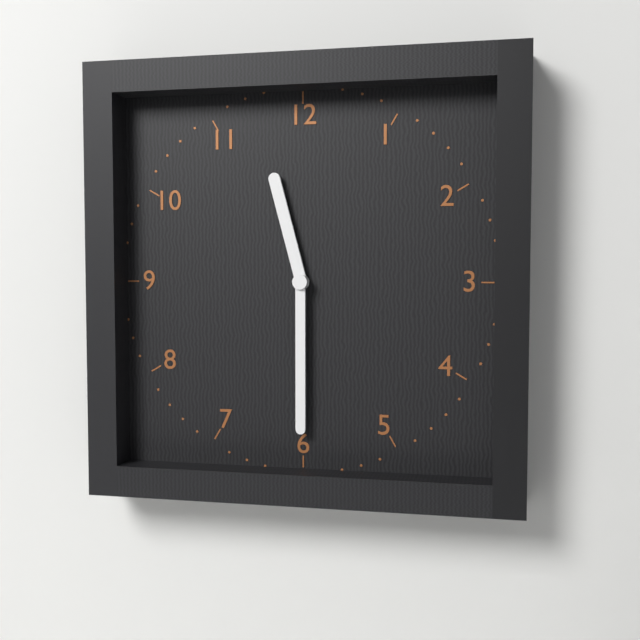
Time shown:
{"hour": 11, "minute": 30}
